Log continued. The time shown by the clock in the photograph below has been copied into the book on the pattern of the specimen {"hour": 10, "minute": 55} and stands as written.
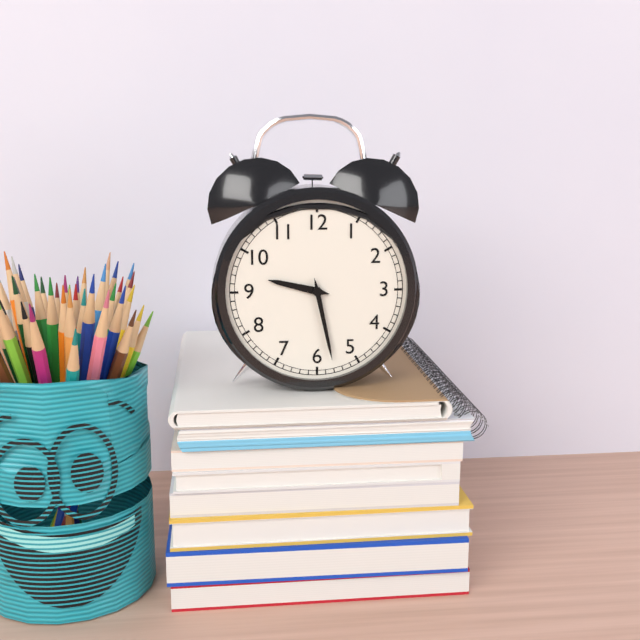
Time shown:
{"hour": 9, "minute": 28}
